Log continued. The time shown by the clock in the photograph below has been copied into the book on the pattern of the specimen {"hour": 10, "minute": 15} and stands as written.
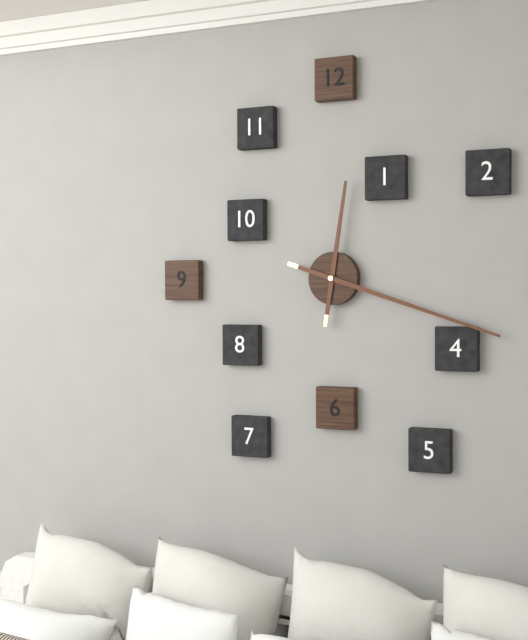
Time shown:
{"hour": 12, "minute": 18}
